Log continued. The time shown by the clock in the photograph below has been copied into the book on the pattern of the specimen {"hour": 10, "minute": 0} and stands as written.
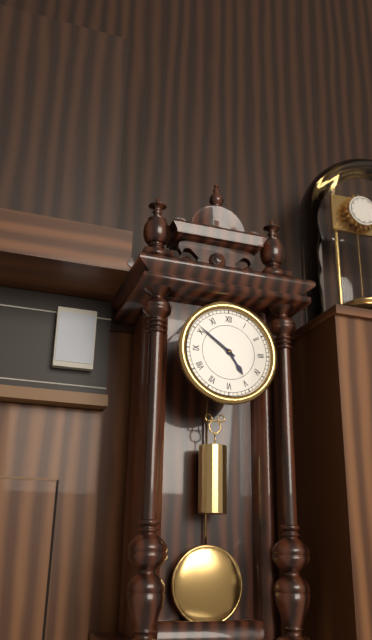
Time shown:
{"hour": 4, "minute": 51}
